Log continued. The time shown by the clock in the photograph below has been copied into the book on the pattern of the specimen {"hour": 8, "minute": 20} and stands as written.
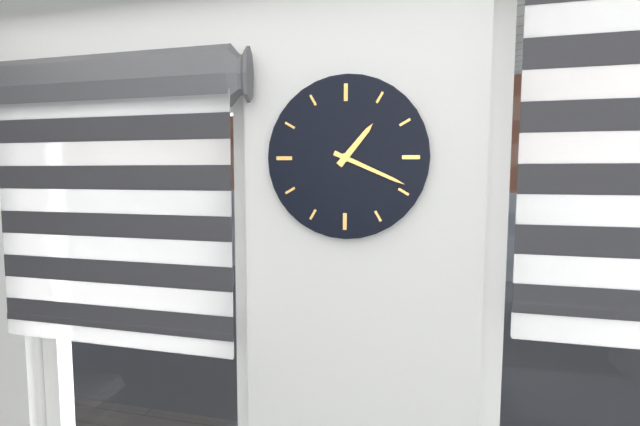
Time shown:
{"hour": 1, "minute": 19}
